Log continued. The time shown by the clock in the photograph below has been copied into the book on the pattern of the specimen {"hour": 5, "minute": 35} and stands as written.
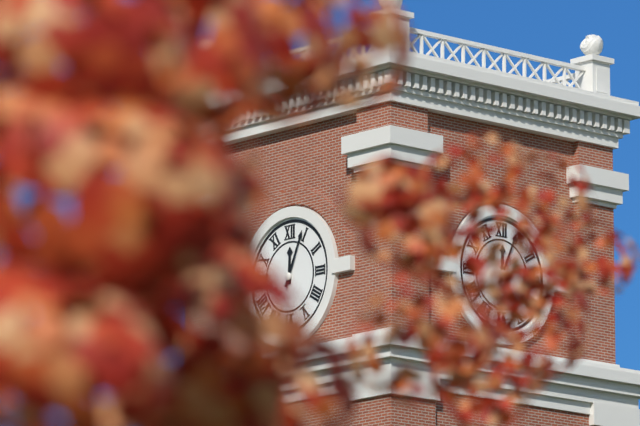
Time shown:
{"hour": 12, "minute": 4}
